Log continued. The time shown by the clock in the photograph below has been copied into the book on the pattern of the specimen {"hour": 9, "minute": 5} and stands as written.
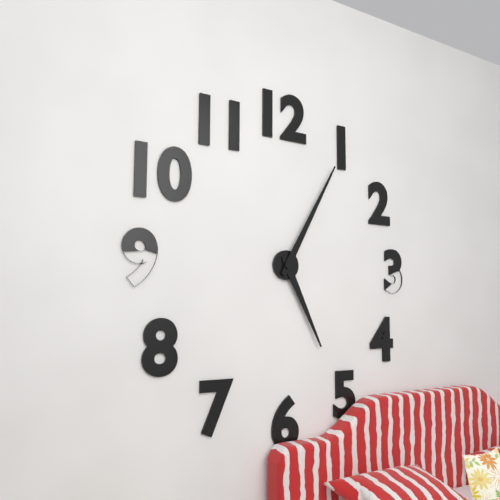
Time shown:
{"hour": 5, "minute": 5}
